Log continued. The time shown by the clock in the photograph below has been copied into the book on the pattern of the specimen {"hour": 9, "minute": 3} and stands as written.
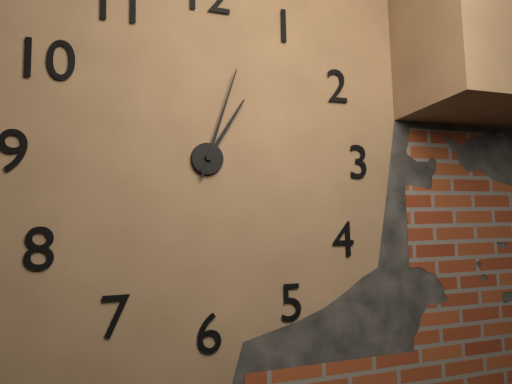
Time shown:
{"hour": 1, "minute": 3}
